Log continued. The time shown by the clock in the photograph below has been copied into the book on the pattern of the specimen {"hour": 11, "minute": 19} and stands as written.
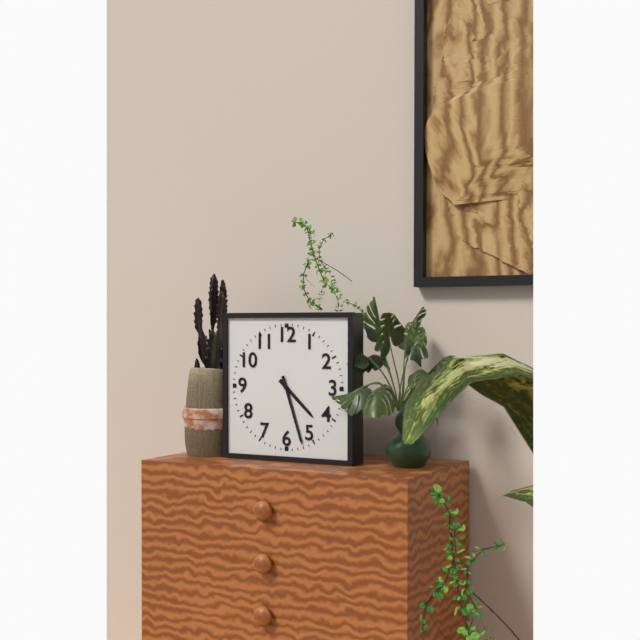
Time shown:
{"hour": 4, "minute": 27}
